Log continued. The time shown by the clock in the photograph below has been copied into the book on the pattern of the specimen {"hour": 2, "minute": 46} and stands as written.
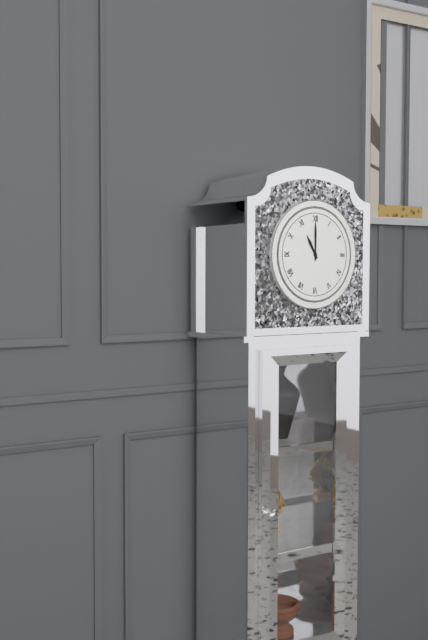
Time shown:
{"hour": 11, "minute": 0}
